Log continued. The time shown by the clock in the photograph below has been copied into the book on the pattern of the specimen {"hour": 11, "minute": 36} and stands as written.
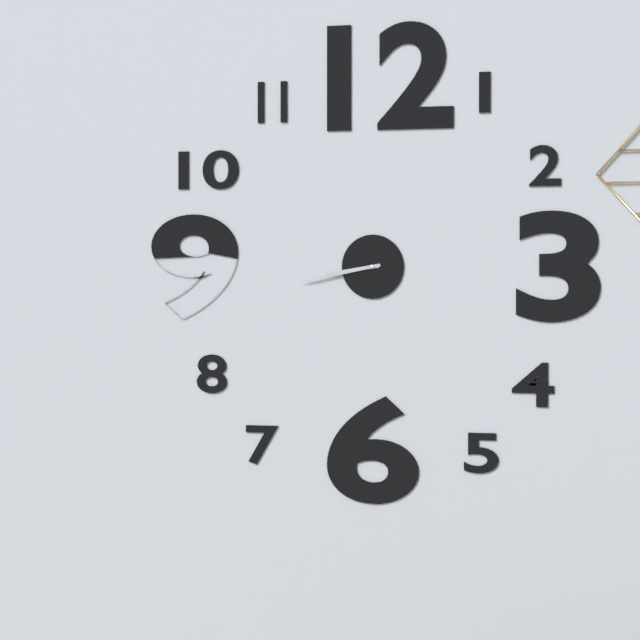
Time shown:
{"hour": 8, "minute": 43}
